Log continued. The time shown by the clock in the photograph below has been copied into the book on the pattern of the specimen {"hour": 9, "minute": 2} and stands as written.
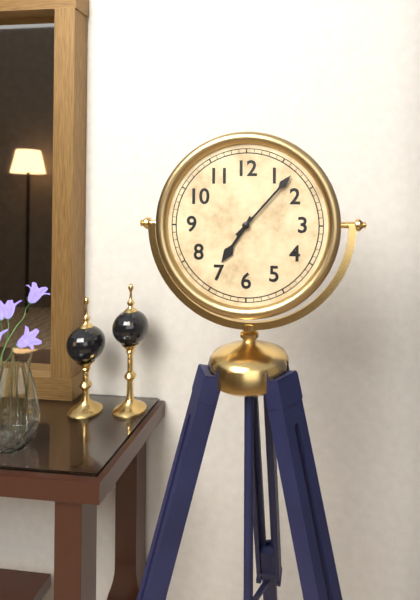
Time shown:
{"hour": 7, "minute": 7}
